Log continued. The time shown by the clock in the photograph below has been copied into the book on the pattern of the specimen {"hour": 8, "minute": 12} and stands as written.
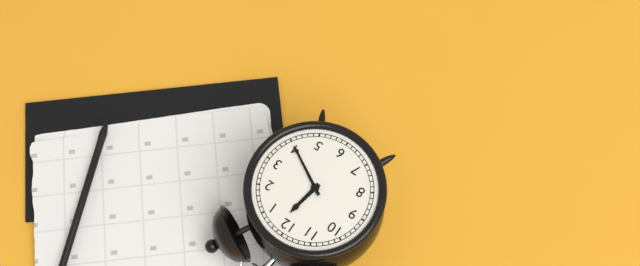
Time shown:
{"hour": 12, "minute": 20}
